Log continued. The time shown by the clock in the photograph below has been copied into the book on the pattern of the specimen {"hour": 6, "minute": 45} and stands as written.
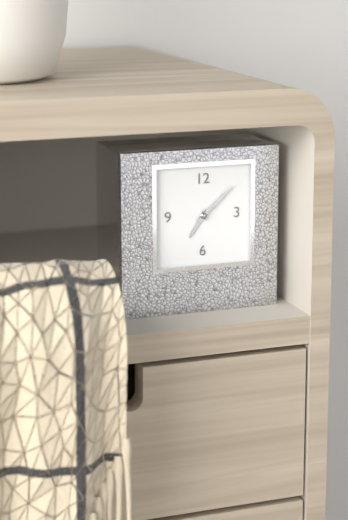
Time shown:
{"hour": 7, "minute": 8}
